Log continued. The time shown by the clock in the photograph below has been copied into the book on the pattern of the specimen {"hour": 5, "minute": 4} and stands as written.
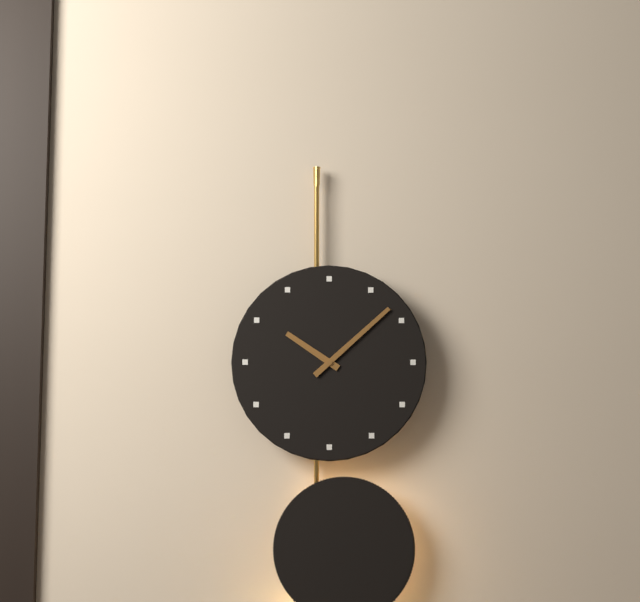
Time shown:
{"hour": 10, "minute": 8}
